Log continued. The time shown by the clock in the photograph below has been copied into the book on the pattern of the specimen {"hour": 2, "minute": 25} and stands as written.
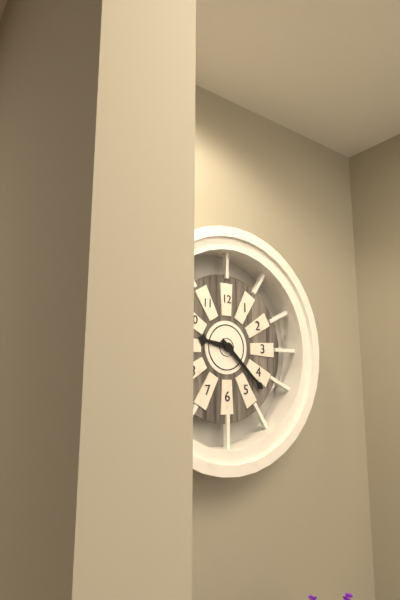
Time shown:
{"hour": 9, "minute": 22}
